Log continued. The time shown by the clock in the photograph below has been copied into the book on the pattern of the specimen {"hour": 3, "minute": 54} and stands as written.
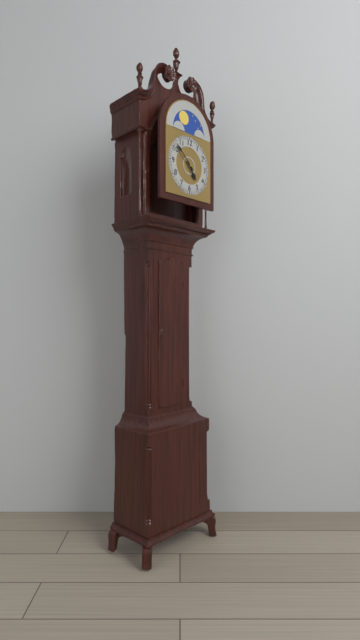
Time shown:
{"hour": 4, "minute": 52}
